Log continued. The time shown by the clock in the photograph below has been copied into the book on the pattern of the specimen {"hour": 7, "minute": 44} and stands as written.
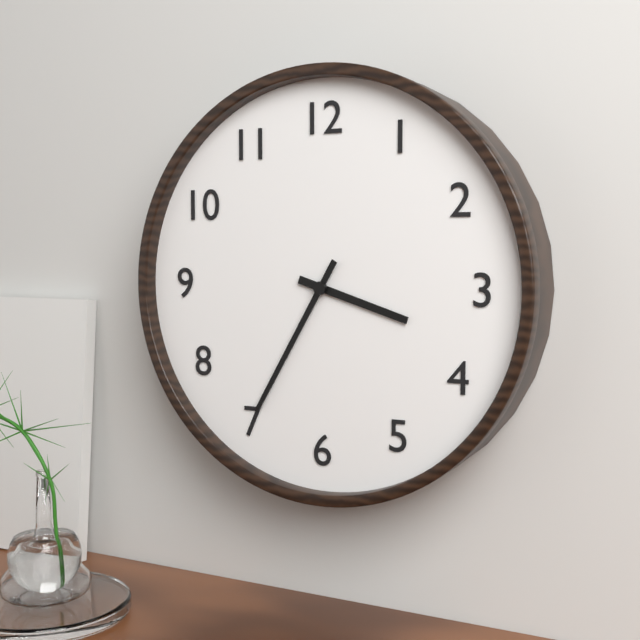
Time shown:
{"hour": 3, "minute": 35}
